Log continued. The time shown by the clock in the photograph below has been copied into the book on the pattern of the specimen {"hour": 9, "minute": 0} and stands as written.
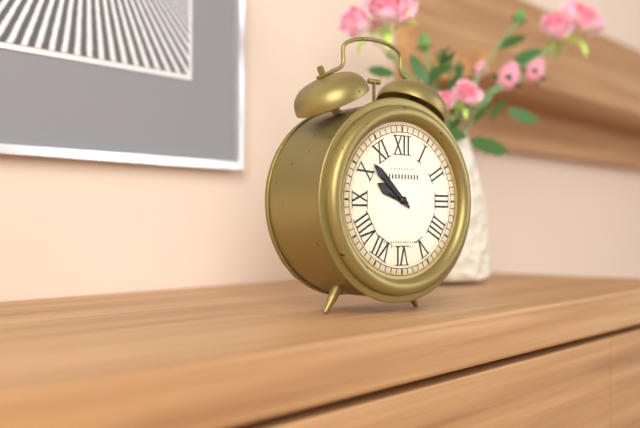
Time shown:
{"hour": 9, "minute": 52}
